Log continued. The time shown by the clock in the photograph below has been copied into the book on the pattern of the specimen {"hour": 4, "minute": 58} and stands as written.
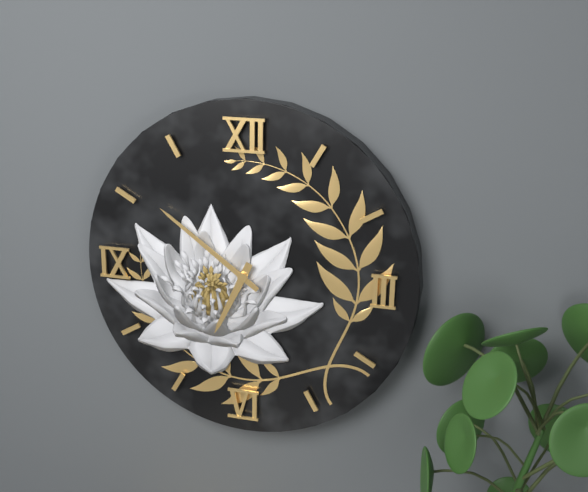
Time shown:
{"hour": 6, "minute": 51}
